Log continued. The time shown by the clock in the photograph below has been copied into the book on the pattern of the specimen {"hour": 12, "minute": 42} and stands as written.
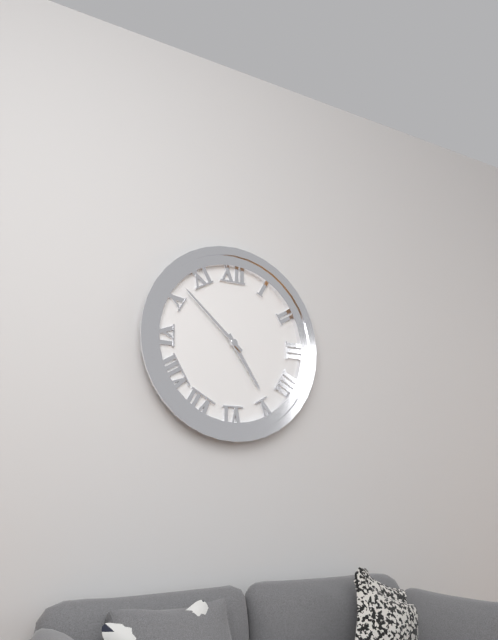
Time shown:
{"hour": 4, "minute": 52}
